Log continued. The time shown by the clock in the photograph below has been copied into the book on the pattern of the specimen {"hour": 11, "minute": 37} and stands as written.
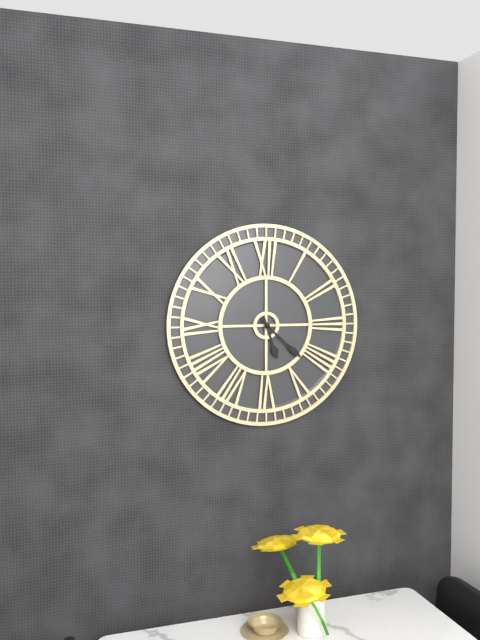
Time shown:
{"hour": 5, "minute": 22}
